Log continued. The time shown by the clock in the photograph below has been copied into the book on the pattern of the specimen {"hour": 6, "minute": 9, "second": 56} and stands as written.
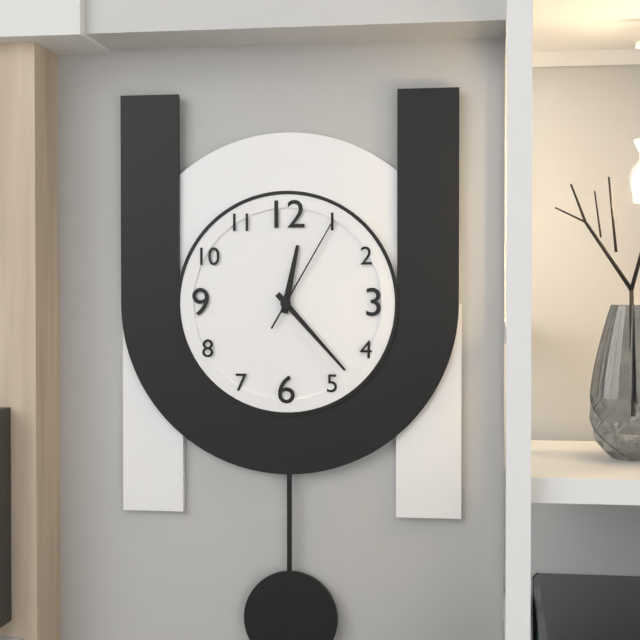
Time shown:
{"hour": 12, "minute": 23, "second": 5}
